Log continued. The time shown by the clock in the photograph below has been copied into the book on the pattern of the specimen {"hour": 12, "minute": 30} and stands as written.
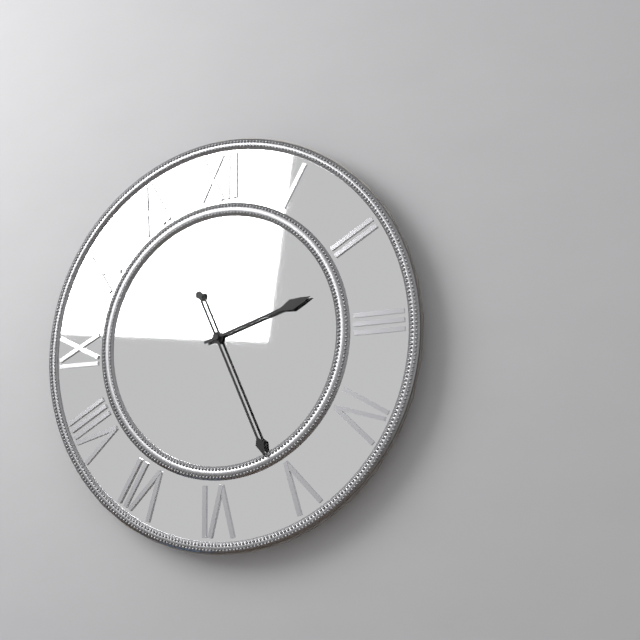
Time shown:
{"hour": 2, "minute": 26}
